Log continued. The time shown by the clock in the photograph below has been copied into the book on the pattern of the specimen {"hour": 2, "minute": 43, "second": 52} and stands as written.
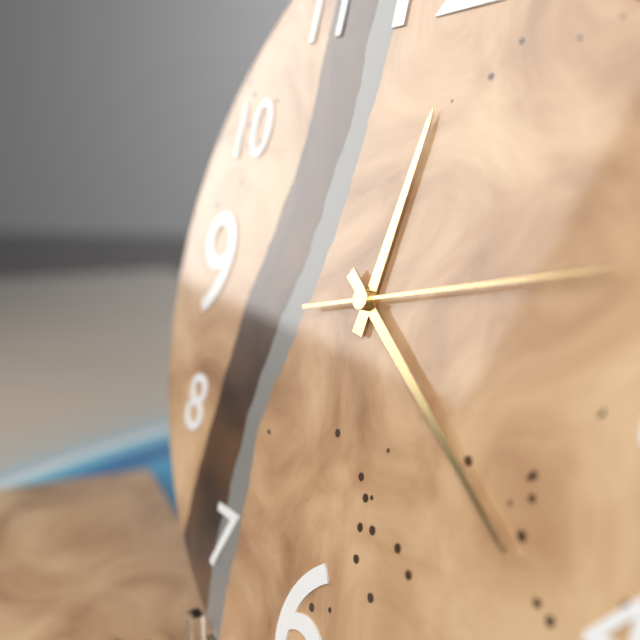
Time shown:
{"hour": 12, "minute": 21, "second": 13}
